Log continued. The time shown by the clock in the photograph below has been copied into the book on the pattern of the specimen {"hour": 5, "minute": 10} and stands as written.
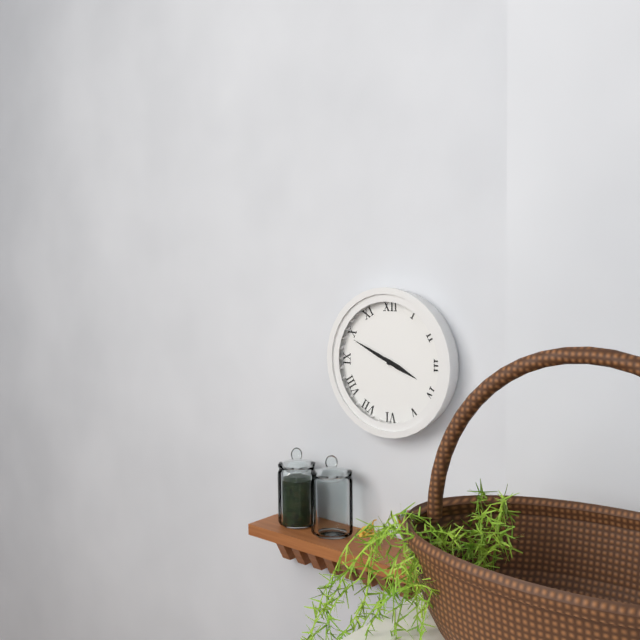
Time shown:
{"hour": 3, "minute": 49}
